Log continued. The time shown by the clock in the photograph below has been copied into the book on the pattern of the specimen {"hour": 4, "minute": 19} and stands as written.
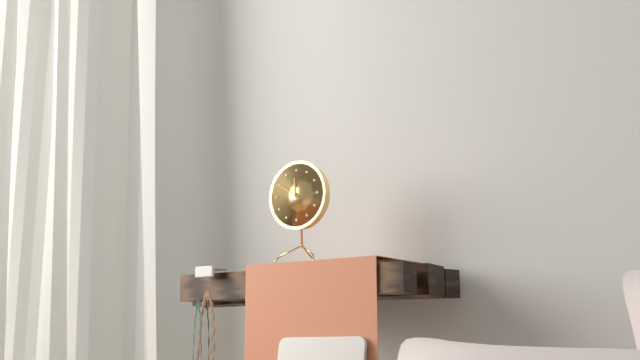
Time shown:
{"hour": 11, "minute": 50}
